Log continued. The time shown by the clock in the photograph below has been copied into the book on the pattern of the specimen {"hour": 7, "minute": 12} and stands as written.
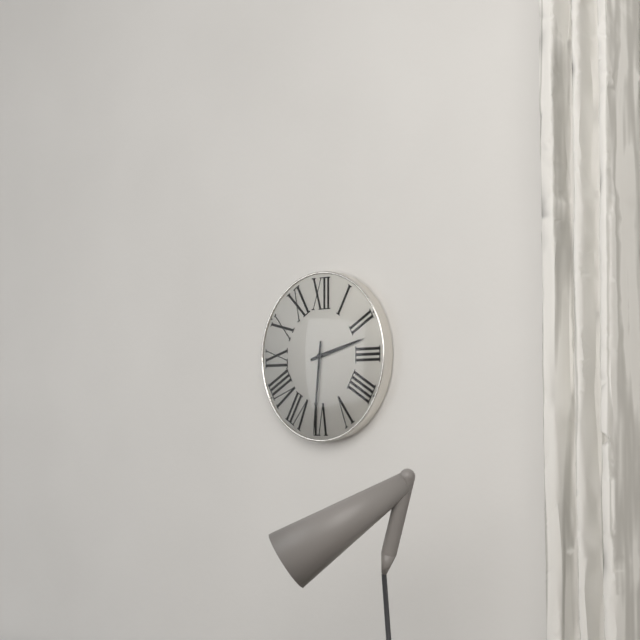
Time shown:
{"hour": 2, "minute": 31}
